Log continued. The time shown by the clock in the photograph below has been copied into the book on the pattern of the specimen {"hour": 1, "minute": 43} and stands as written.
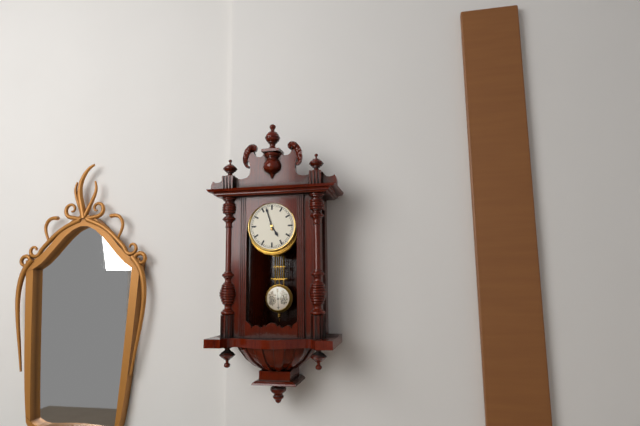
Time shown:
{"hour": 4, "minute": 57}
